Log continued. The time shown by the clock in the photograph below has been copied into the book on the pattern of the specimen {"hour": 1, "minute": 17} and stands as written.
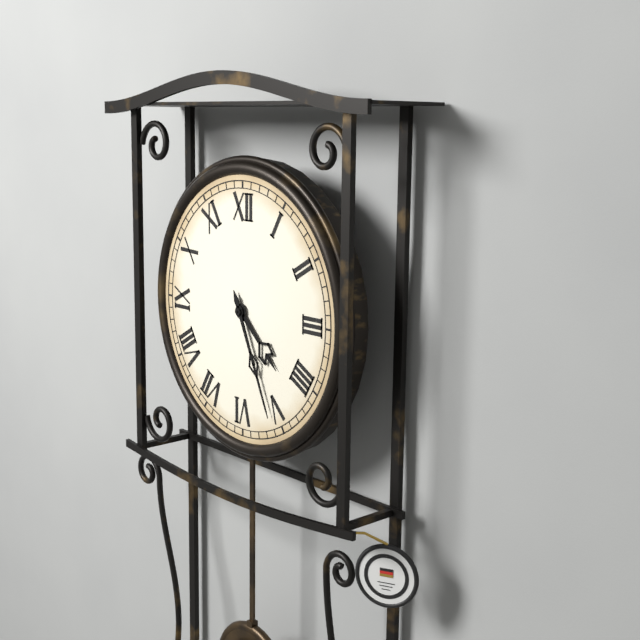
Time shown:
{"hour": 4, "minute": 26}
